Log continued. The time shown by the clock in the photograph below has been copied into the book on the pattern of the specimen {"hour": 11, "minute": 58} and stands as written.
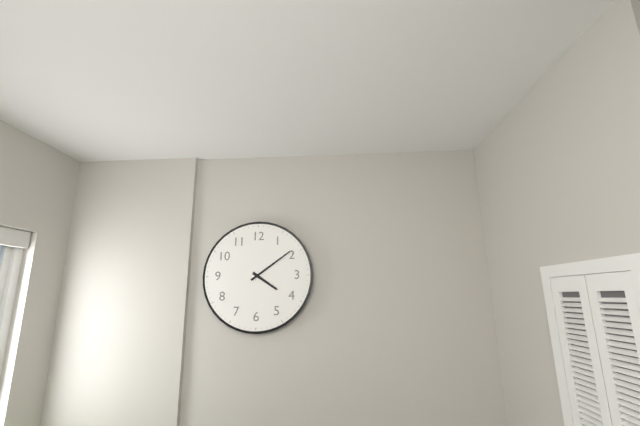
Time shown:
{"hour": 4, "minute": 9}
